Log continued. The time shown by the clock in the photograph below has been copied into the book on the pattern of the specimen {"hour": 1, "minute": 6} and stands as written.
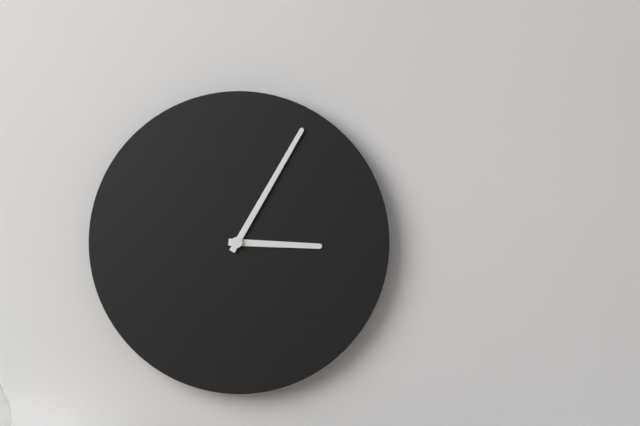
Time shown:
{"hour": 3, "minute": 5}
